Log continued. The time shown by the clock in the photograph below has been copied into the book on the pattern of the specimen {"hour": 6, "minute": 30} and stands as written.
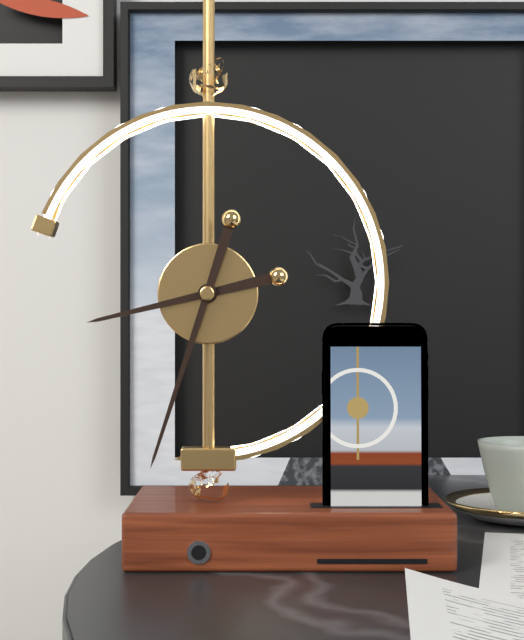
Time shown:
{"hour": 8, "minute": 33}
